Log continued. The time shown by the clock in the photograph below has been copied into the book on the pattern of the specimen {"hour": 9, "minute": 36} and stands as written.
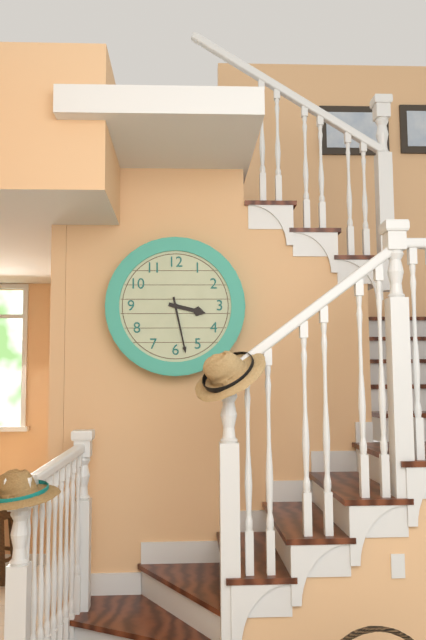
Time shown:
{"hour": 3, "minute": 28}
